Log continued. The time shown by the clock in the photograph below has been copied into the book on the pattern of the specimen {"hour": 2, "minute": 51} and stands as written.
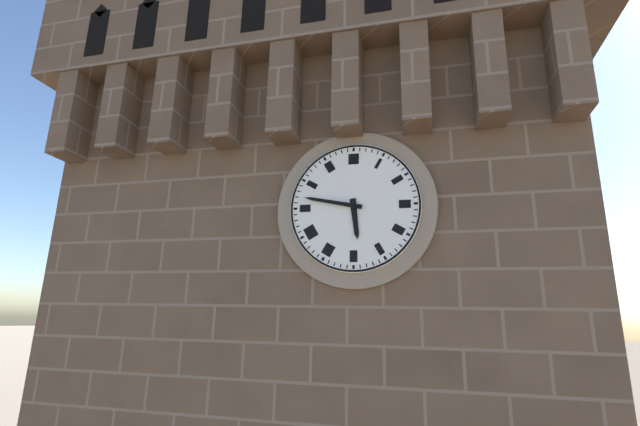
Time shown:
{"hour": 5, "minute": 47}
